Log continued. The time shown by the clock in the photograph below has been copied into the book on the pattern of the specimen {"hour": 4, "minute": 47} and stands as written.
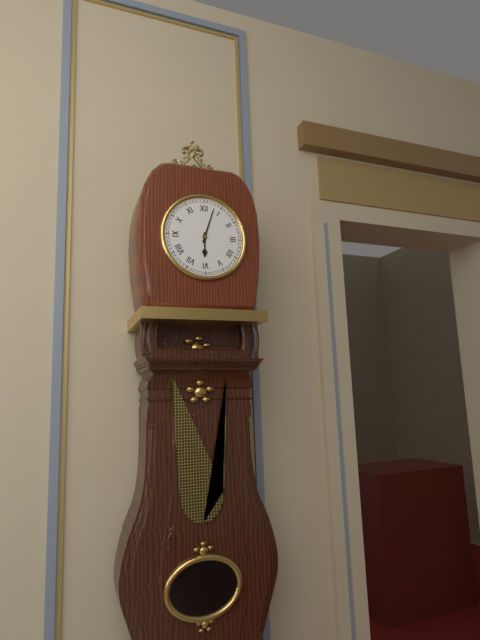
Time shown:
{"hour": 6, "minute": 3}
